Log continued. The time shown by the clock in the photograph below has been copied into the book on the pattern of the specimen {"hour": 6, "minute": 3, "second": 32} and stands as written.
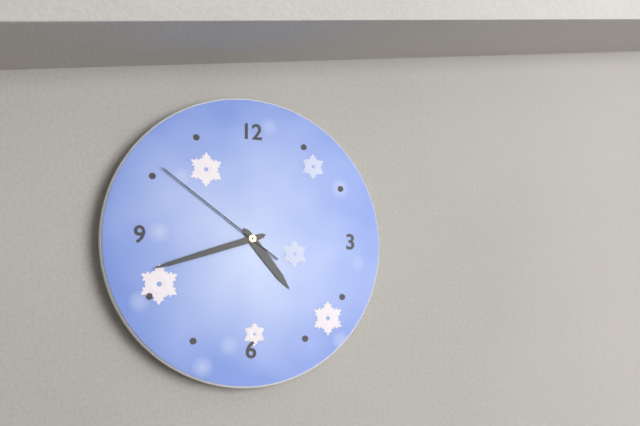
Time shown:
{"hour": 4, "minute": 42, "second": 51}
